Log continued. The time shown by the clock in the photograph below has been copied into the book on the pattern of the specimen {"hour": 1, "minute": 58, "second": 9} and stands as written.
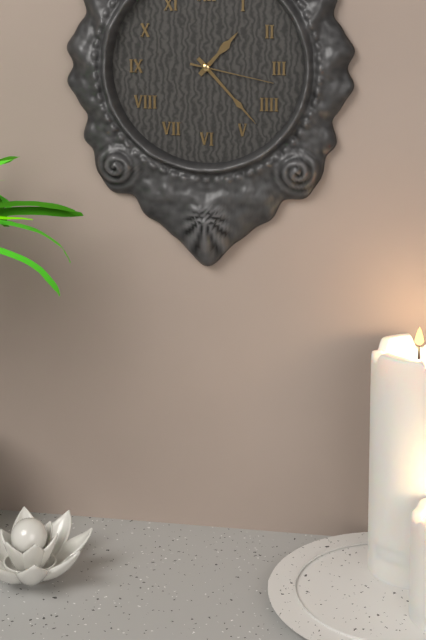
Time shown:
{"hour": 1, "minute": 23, "second": 17}
